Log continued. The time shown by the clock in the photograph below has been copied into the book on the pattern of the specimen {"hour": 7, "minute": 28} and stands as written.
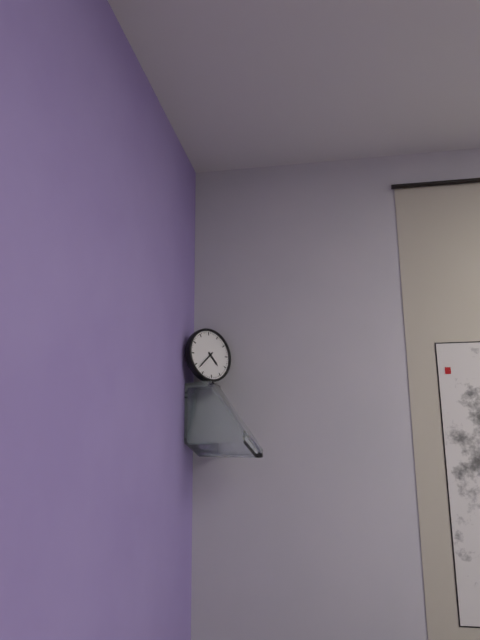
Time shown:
{"hour": 4, "minute": 38}
